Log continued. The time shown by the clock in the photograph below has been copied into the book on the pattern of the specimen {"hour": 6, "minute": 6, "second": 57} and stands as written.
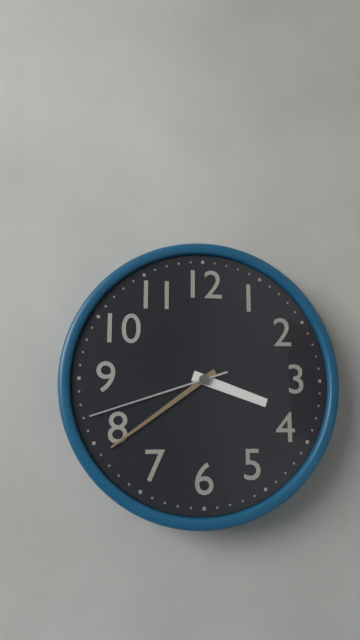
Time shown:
{"hour": 3, "minute": 39, "second": 42}
